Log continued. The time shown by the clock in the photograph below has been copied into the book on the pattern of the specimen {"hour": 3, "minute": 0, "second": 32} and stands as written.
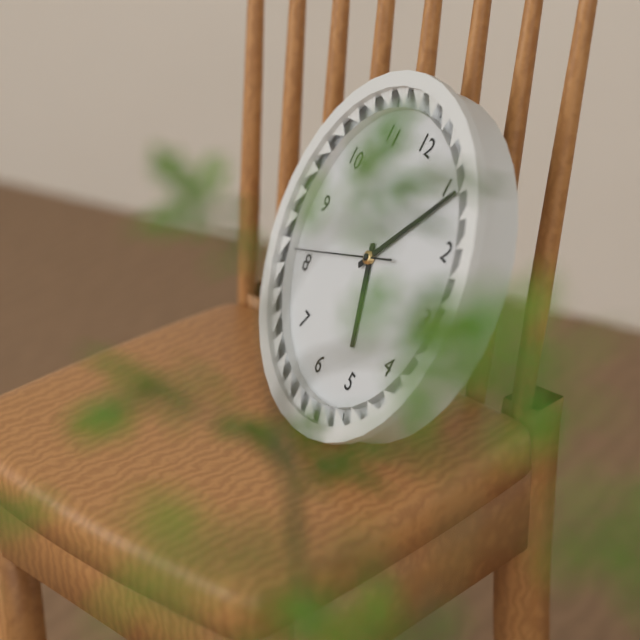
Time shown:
{"hour": 5, "minute": 6, "second": 41}
